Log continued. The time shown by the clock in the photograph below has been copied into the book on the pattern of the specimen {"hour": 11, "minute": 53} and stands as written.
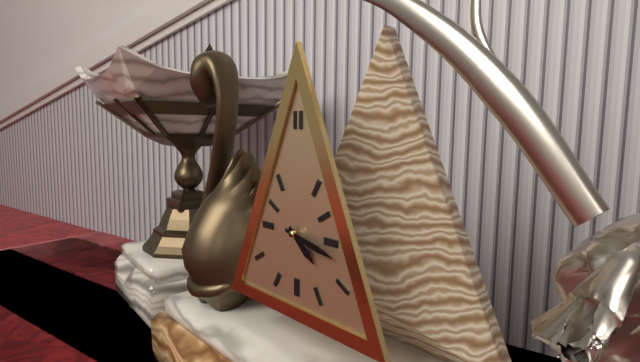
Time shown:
{"hour": 4, "minute": 17}
